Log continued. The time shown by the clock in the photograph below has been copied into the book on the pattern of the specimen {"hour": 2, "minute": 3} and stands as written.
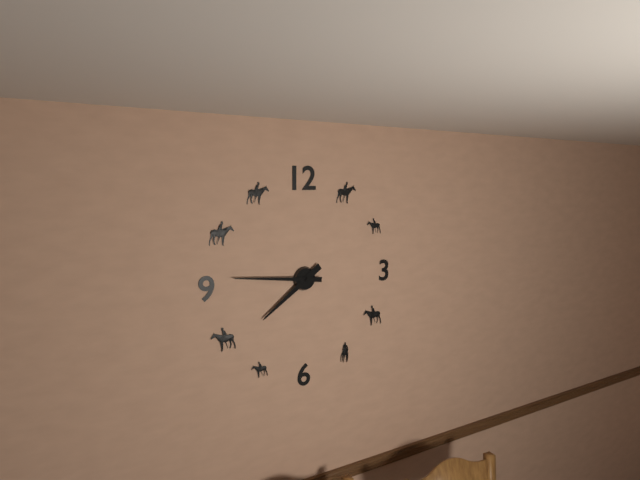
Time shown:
{"hour": 7, "minute": 46}
